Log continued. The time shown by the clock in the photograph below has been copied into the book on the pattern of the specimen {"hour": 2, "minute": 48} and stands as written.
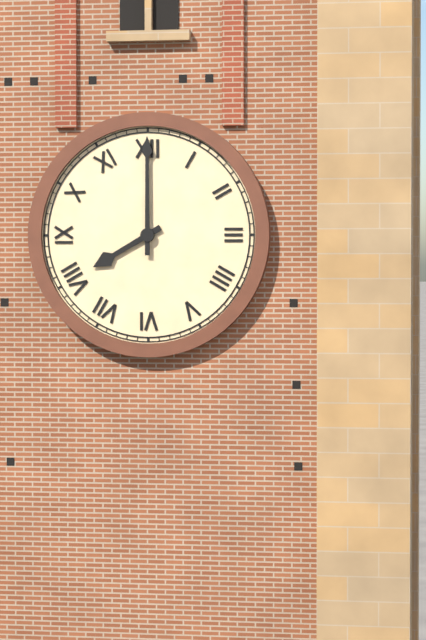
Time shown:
{"hour": 8, "minute": 0}
